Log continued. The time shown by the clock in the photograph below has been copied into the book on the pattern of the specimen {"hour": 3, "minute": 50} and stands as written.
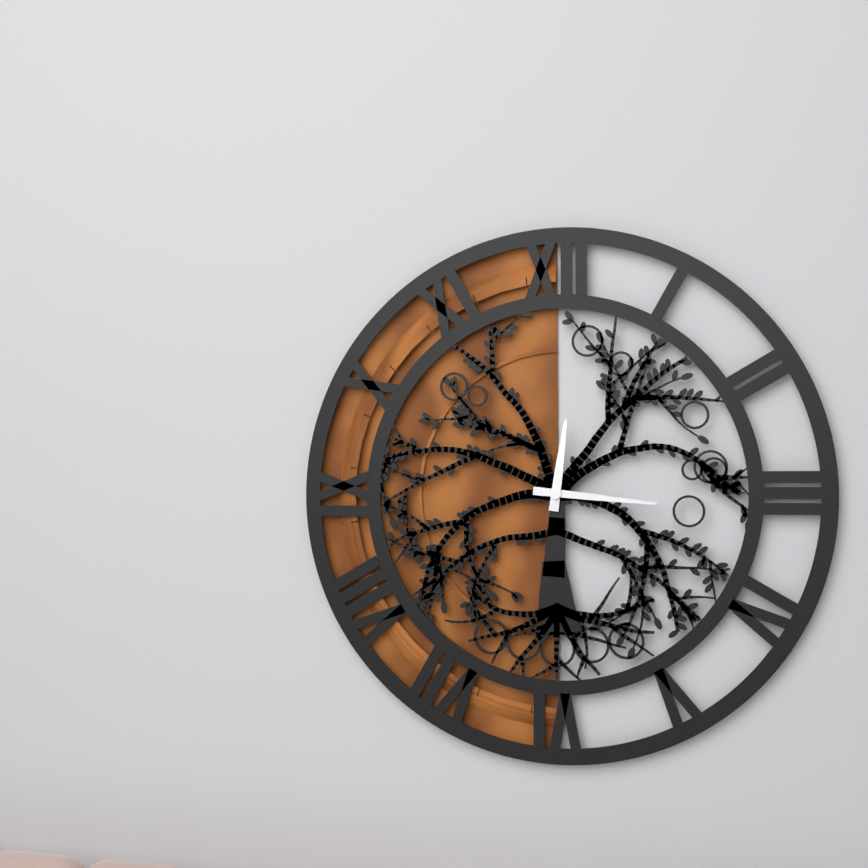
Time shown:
{"hour": 12, "minute": 16}
